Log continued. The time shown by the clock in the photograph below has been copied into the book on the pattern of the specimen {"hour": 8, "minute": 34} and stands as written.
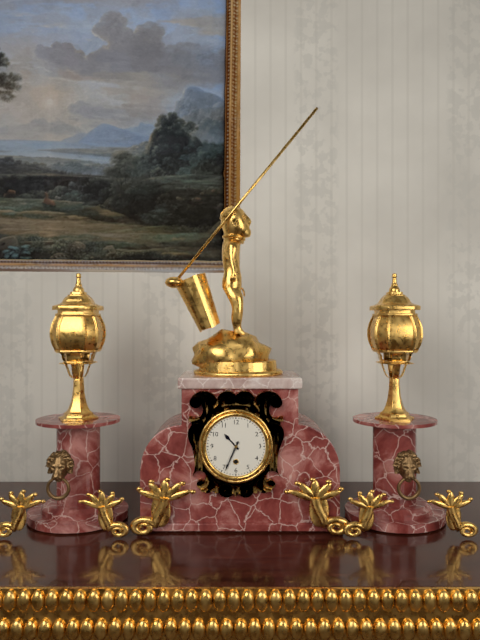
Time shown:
{"hour": 10, "minute": 34}
